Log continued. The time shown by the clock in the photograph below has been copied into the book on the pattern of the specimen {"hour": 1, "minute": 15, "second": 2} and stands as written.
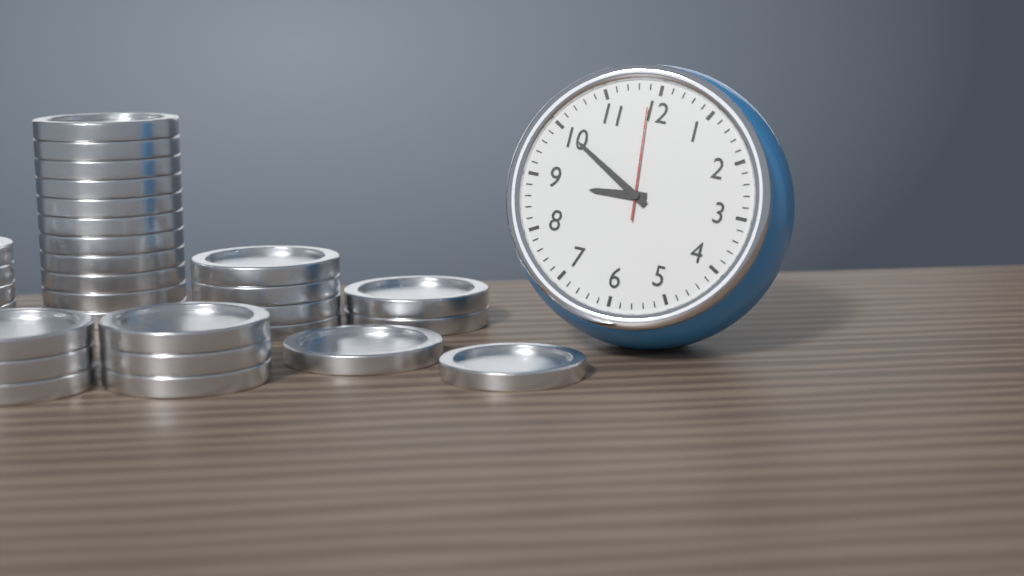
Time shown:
{"hour": 8, "minute": 50, "second": 59}
